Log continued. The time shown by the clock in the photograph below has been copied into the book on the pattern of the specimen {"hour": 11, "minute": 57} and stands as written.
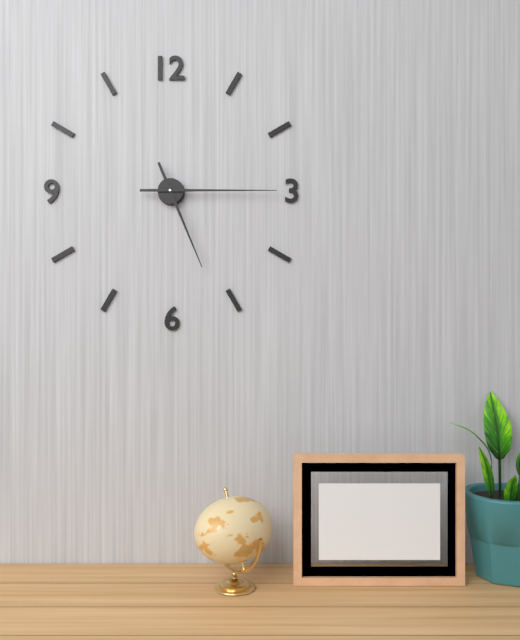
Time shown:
{"hour": 5, "minute": 15}
